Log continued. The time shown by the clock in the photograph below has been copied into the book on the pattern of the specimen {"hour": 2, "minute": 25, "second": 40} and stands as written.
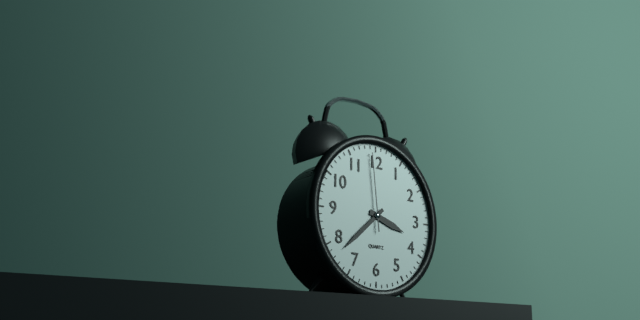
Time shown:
{"hour": 3, "minute": 38, "second": 59}
